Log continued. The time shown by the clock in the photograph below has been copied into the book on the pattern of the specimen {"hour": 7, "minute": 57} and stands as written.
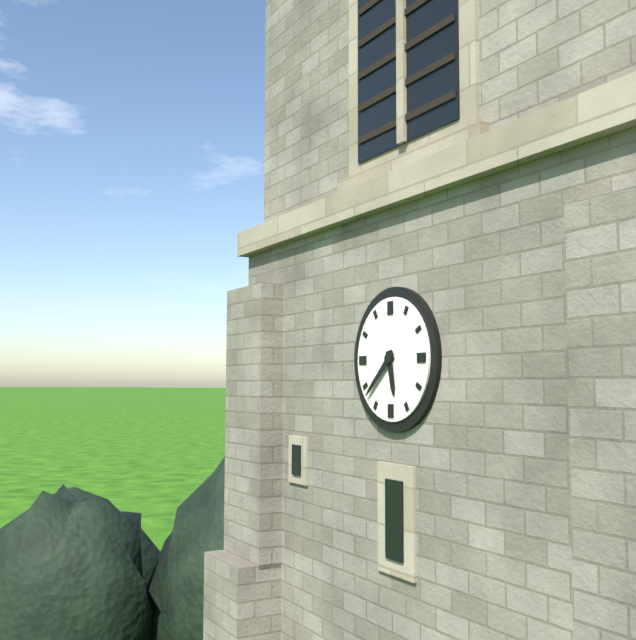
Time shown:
{"hour": 5, "minute": 38}
